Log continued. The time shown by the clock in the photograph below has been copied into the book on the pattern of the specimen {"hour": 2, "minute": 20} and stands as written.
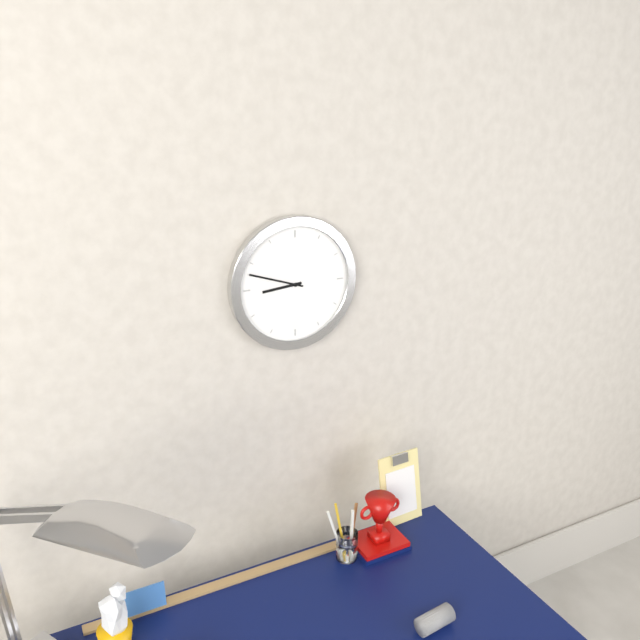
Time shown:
{"hour": 8, "minute": 48}
